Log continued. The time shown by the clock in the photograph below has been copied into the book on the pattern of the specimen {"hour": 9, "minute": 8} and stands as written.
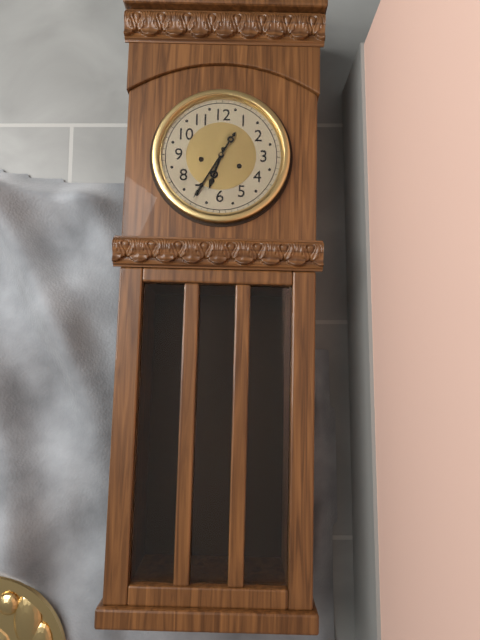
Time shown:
{"hour": 6, "minute": 35}
